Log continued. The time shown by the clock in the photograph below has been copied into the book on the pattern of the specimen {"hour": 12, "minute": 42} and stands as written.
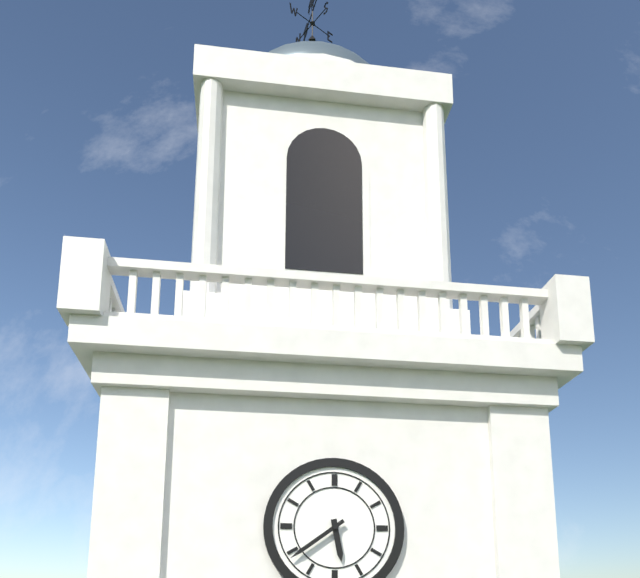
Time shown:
{"hour": 5, "minute": 39}
